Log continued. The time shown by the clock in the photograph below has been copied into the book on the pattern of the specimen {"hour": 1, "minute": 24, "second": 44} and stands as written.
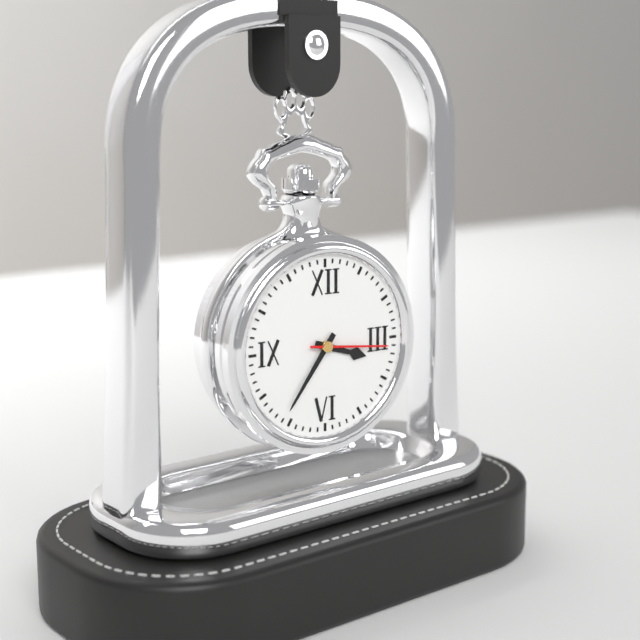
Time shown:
{"hour": 3, "minute": 36, "second": 16}
